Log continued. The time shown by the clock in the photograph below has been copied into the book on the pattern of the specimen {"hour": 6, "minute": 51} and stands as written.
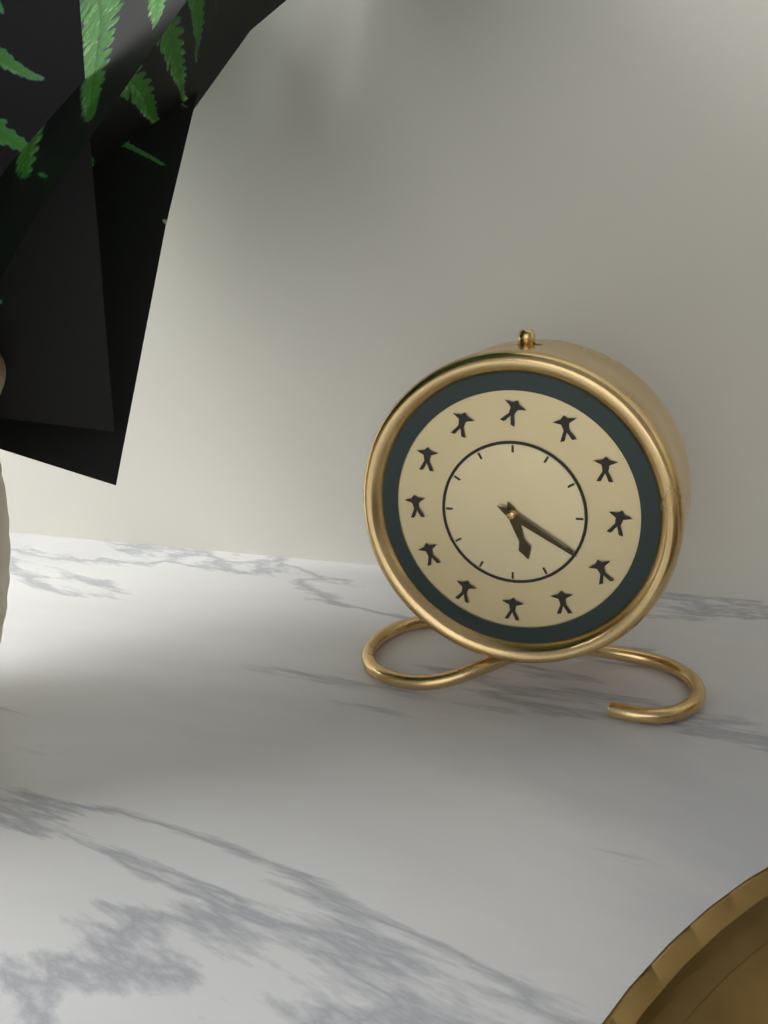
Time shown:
{"hour": 5, "minute": 20}
